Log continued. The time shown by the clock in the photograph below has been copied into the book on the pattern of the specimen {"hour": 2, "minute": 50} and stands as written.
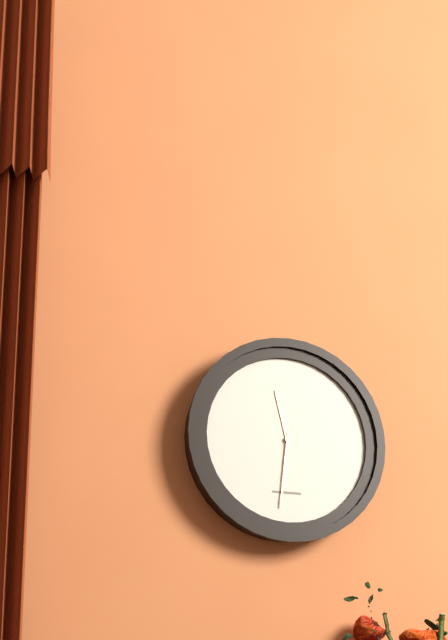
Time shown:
{"hour": 11, "minute": 31}
